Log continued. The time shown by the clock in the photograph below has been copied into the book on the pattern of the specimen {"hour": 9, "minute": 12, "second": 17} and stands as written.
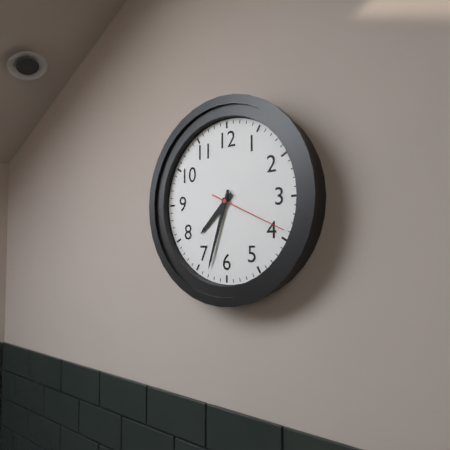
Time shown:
{"hour": 7, "minute": 33, "second": 19}
